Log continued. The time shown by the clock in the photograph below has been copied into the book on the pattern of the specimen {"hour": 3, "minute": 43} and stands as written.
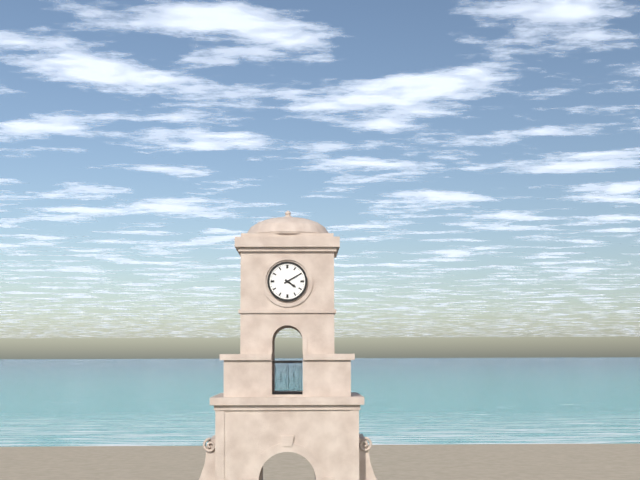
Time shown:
{"hour": 4, "minute": 10}
